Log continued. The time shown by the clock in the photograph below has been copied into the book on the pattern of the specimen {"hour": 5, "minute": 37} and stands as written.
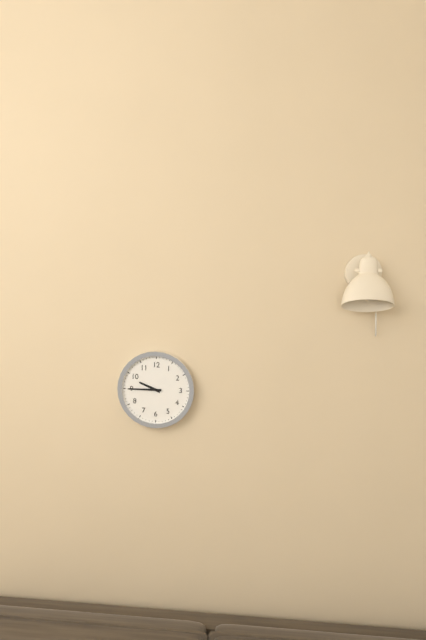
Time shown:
{"hour": 9, "minute": 45}
